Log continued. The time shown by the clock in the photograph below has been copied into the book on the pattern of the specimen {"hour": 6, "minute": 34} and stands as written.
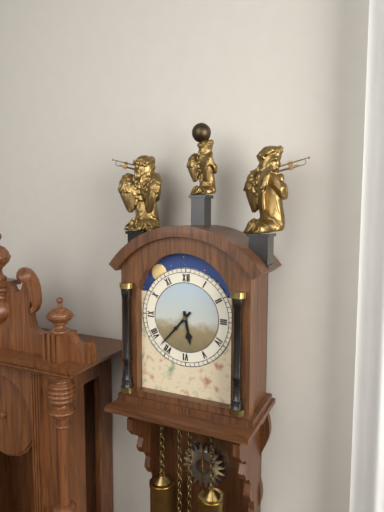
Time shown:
{"hour": 5, "minute": 37}
